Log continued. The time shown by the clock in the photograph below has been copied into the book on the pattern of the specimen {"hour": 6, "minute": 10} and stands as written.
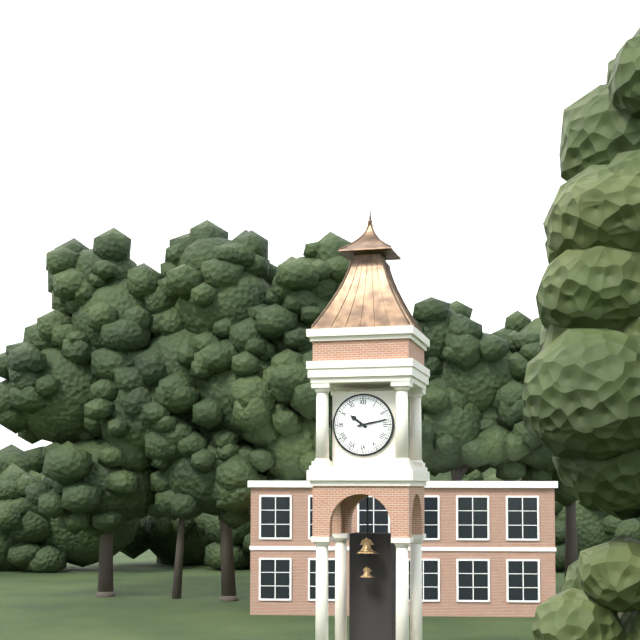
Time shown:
{"hour": 10, "minute": 13}
